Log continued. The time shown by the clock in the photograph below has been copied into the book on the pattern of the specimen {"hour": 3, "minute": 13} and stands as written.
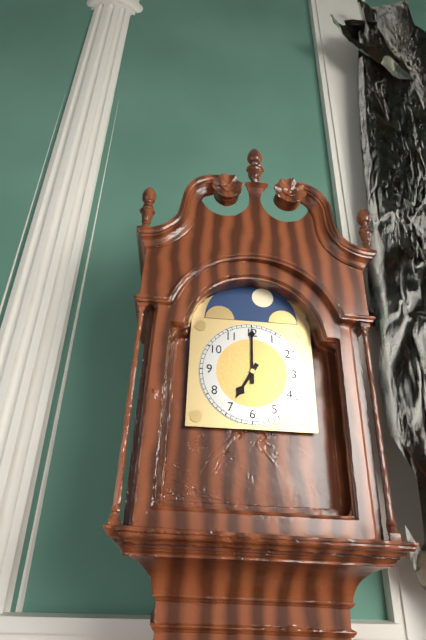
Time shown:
{"hour": 7, "minute": 0}
